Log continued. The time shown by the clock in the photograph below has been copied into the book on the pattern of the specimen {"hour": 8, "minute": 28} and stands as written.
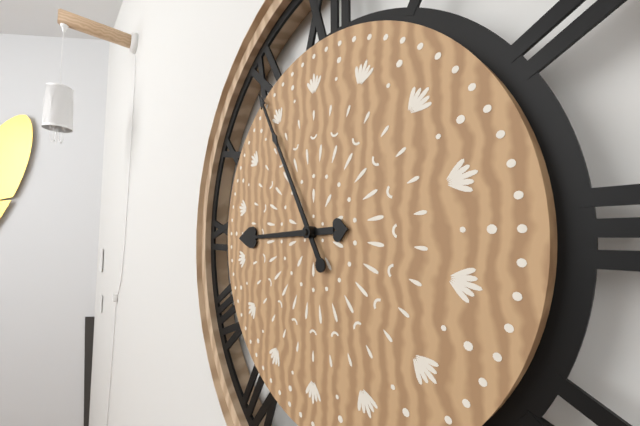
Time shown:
{"hour": 8, "minute": 55}
